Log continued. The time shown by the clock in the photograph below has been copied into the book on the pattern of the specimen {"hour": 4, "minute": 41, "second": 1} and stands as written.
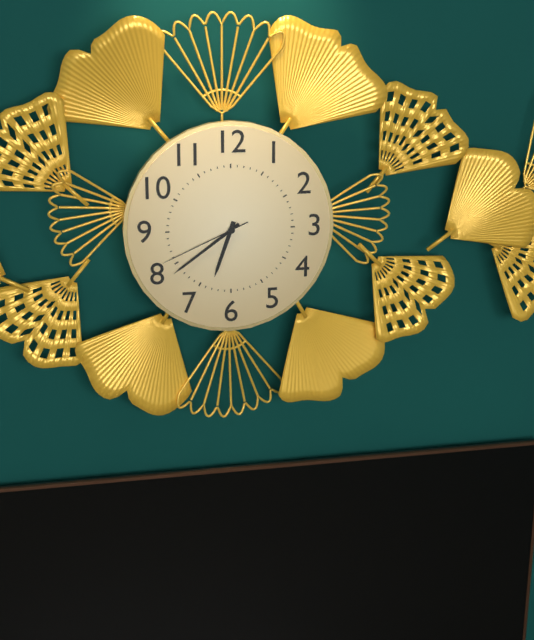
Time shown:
{"hour": 6, "minute": 39, "second": 41}
